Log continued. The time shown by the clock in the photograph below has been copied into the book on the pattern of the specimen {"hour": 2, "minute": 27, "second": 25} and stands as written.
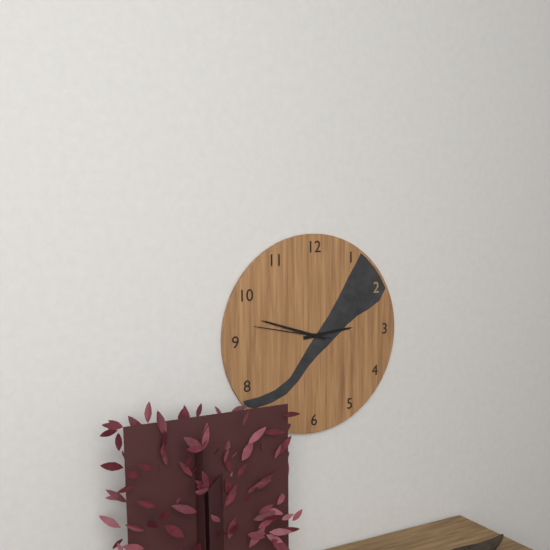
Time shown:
{"hour": 2, "minute": 48, "second": 47}
